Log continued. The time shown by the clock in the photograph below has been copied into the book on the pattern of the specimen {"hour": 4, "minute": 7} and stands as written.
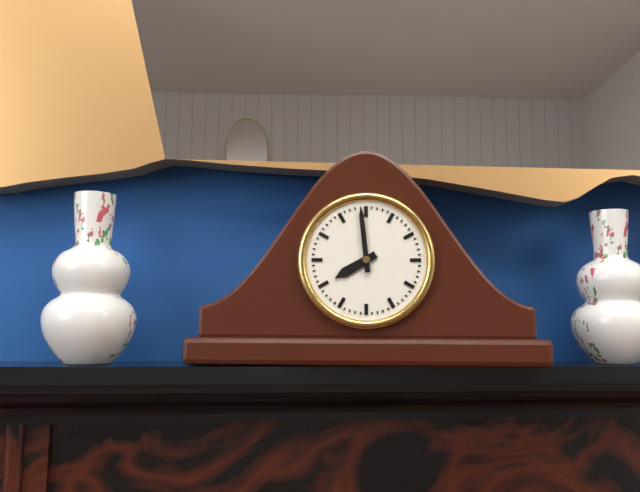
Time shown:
{"hour": 7, "minute": 59}
